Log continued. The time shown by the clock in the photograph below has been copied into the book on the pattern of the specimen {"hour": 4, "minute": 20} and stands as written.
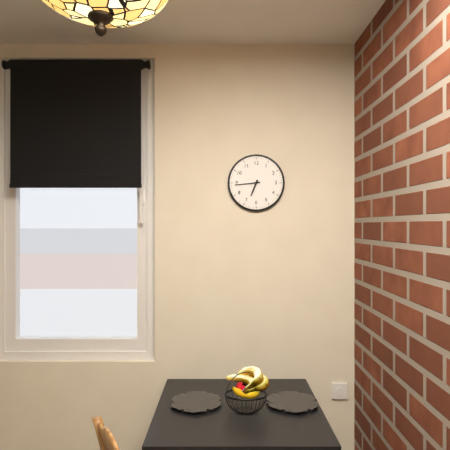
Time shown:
{"hour": 6, "minute": 44}
